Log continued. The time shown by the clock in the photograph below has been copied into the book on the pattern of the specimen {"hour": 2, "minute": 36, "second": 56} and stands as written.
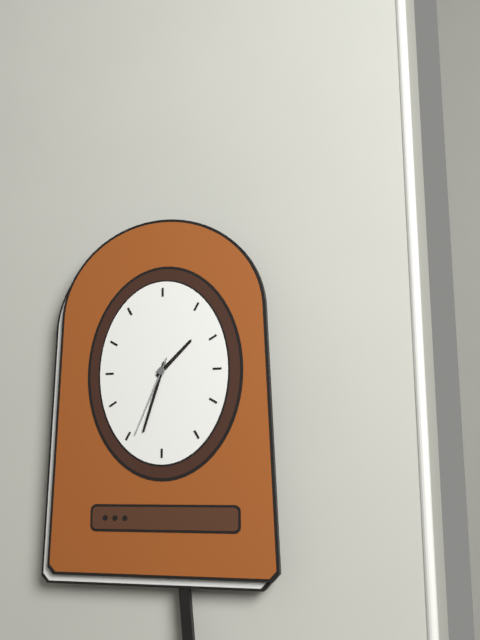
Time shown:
{"hour": 1, "minute": 33, "second": 34}
